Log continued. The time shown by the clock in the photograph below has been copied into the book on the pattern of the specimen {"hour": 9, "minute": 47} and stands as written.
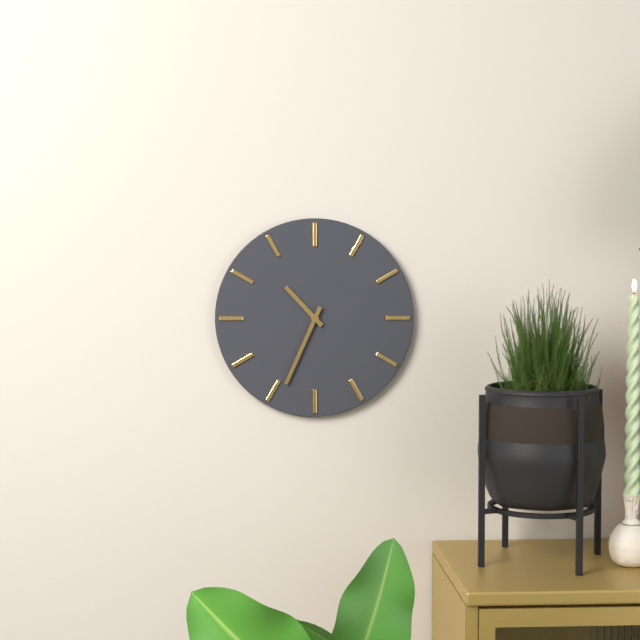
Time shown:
{"hour": 10, "minute": 34}
